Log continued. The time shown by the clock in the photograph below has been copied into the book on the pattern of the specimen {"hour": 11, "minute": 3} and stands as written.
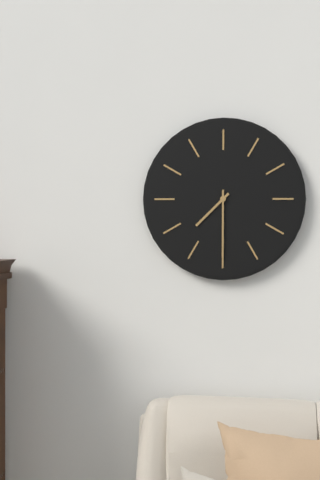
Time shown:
{"hour": 7, "minute": 30}
